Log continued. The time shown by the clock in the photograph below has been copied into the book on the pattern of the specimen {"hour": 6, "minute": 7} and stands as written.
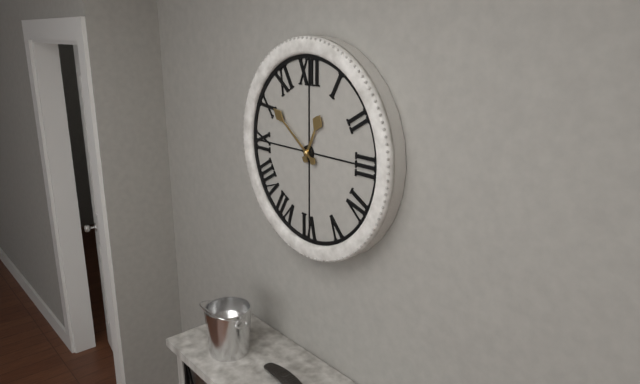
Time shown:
{"hour": 12, "minute": 51}
